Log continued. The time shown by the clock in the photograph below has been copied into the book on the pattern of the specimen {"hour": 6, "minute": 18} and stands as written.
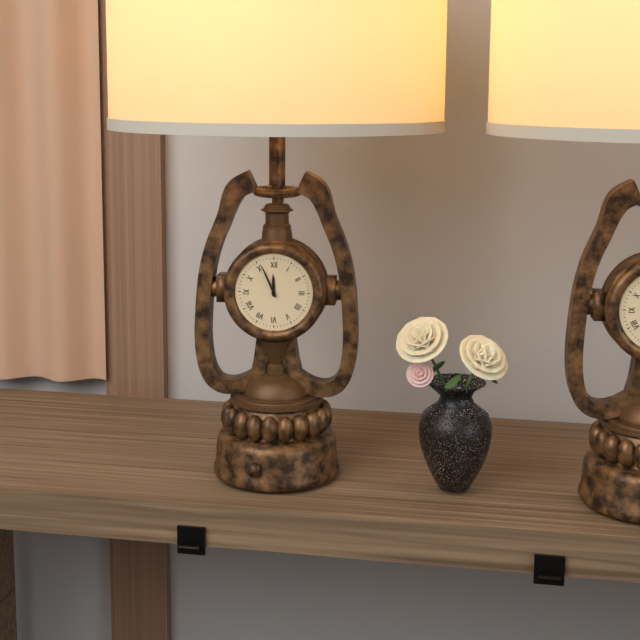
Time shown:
{"hour": 11, "minute": 56}
